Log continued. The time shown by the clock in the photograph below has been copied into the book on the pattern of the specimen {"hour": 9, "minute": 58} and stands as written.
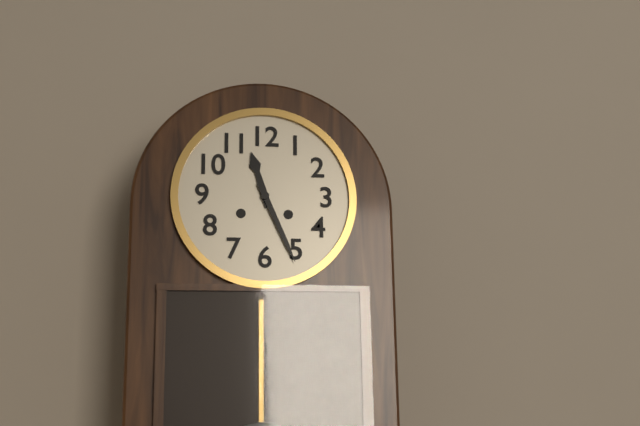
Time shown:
{"hour": 11, "minute": 26}
